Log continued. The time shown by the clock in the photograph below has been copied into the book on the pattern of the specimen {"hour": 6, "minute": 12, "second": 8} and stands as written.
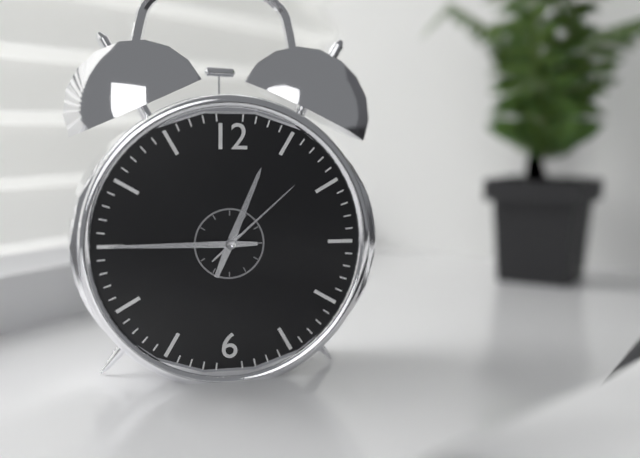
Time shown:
{"hour": 12, "minute": 45, "second": 8}
